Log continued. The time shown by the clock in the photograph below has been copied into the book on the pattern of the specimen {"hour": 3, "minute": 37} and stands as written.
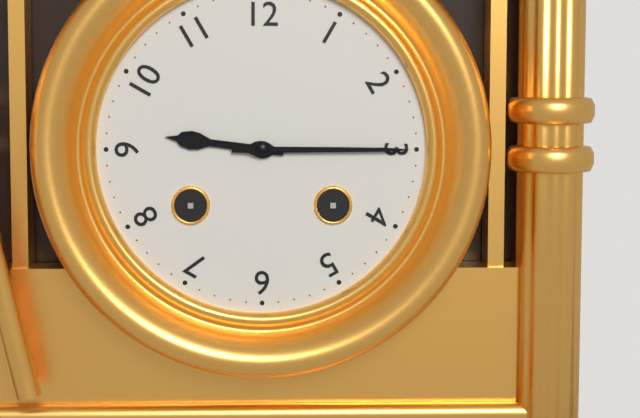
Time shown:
{"hour": 9, "minute": 15}
